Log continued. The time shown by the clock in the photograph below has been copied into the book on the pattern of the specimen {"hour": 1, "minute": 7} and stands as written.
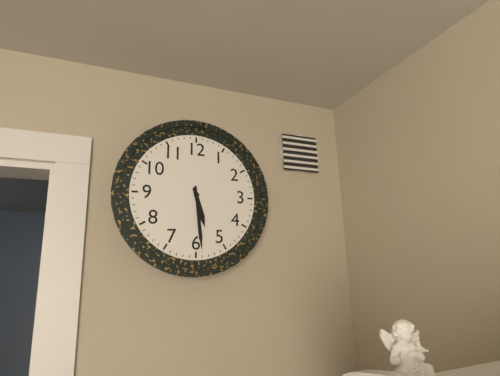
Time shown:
{"hour": 5, "minute": 29}
